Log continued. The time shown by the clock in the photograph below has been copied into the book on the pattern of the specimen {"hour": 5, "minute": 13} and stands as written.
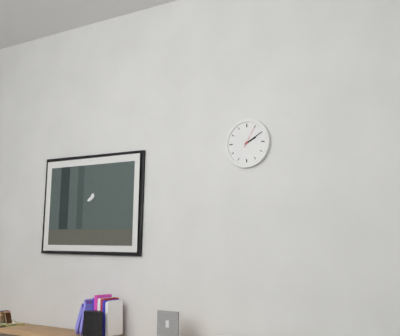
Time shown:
{"hour": 2, "minute": 10}
